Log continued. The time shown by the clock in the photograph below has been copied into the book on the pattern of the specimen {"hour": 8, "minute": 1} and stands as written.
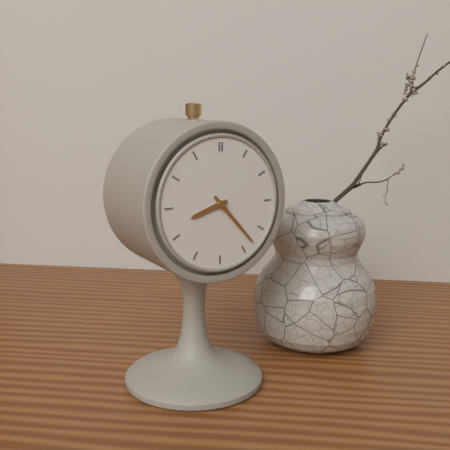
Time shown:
{"hour": 8, "minute": 23}
